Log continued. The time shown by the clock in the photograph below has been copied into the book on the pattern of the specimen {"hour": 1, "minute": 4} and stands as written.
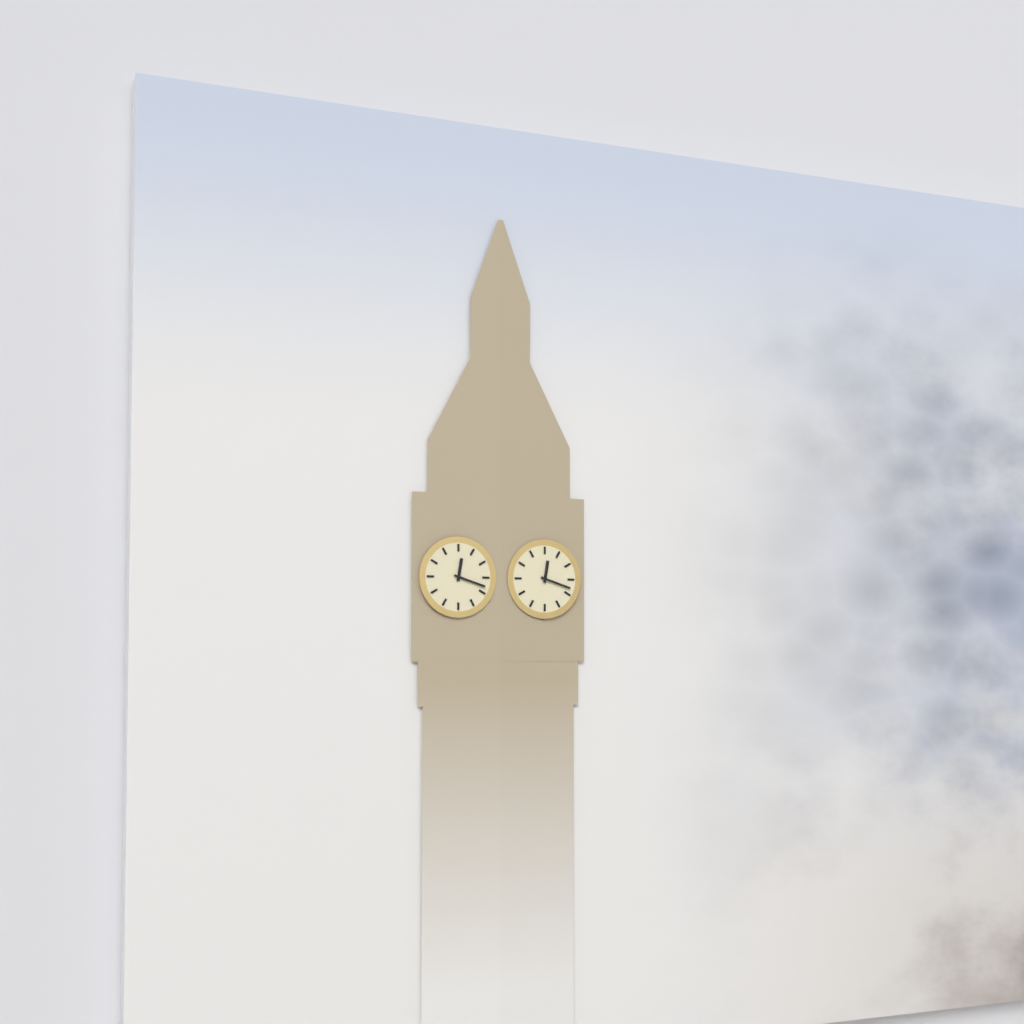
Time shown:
{"hour": 12, "minute": 18}
